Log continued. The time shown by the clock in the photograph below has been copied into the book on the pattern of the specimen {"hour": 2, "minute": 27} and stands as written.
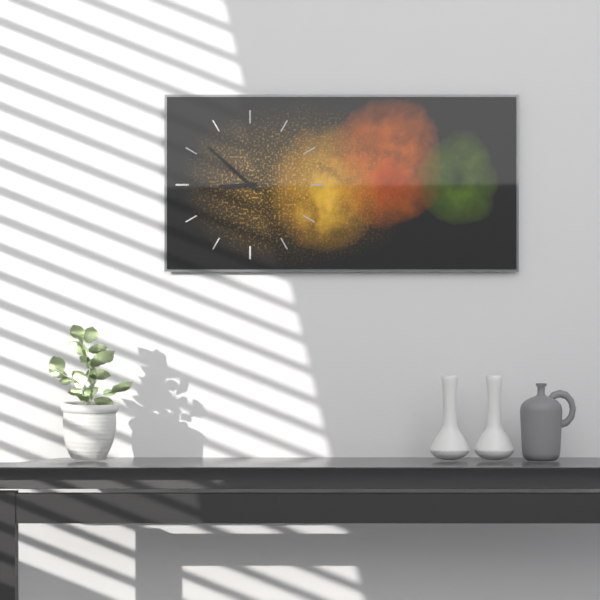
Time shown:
{"hour": 8, "minute": 52}
